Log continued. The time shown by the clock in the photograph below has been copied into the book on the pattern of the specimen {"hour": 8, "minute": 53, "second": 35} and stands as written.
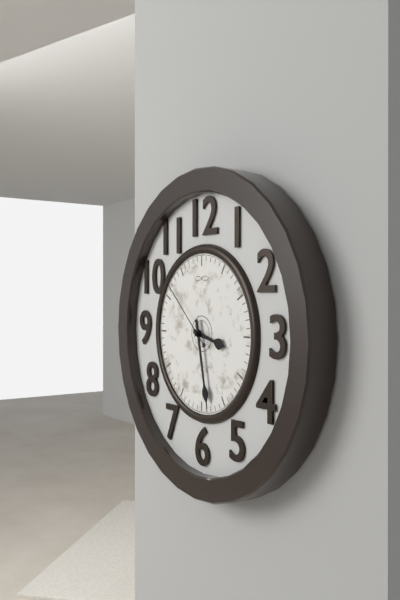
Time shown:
{"hour": 3, "minute": 28, "second": 52}
